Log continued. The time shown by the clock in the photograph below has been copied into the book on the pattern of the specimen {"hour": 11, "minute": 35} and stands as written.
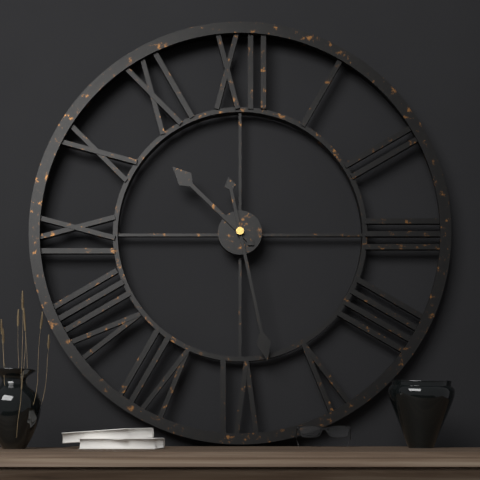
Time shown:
{"hour": 10, "minute": 28}
